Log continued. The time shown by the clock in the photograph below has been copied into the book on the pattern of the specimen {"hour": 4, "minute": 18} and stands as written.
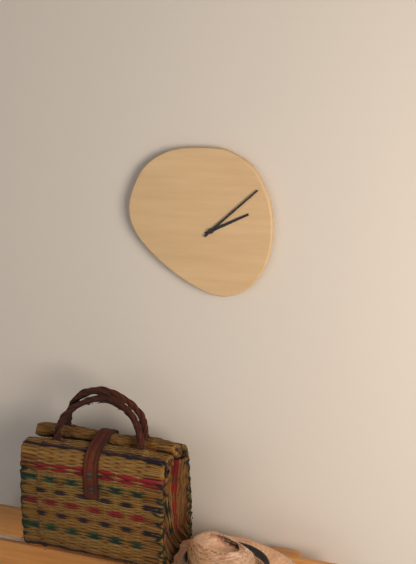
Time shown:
{"hour": 2, "minute": 8}
